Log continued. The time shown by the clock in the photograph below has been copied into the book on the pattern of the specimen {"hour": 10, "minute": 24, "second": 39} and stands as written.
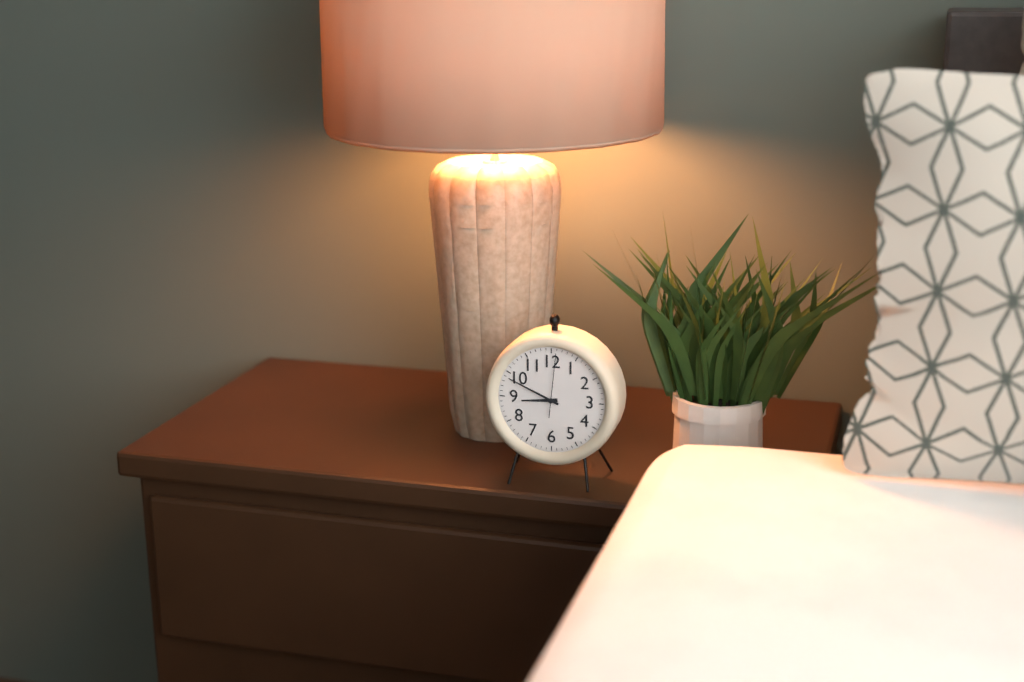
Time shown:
{"hour": 8, "minute": 49, "second": 1}
